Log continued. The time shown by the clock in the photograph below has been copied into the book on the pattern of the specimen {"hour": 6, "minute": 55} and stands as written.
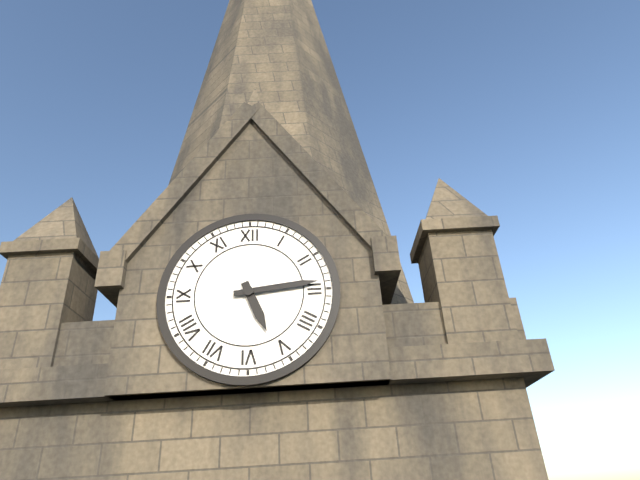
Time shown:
{"hour": 5, "minute": 14}
